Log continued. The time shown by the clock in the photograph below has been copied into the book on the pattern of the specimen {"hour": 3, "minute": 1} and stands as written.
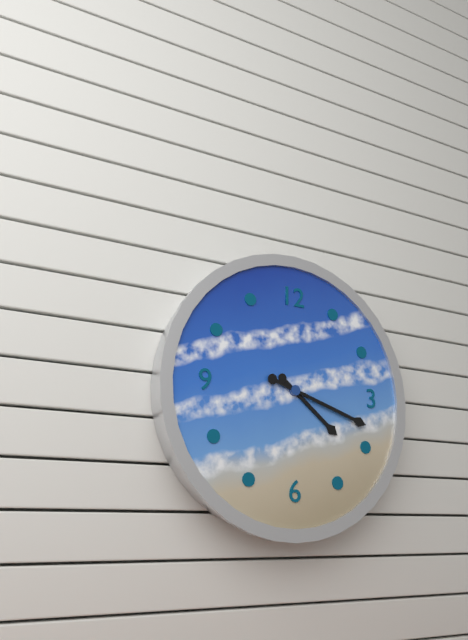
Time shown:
{"hour": 4, "minute": 18}
